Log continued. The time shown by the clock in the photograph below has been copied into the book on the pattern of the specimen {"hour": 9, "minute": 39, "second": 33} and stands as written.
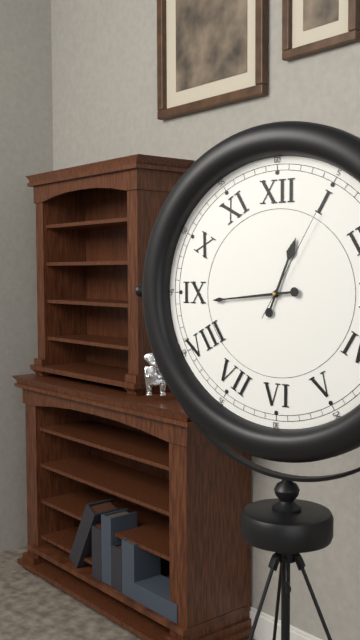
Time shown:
{"hour": 12, "minute": 44, "second": 5}
